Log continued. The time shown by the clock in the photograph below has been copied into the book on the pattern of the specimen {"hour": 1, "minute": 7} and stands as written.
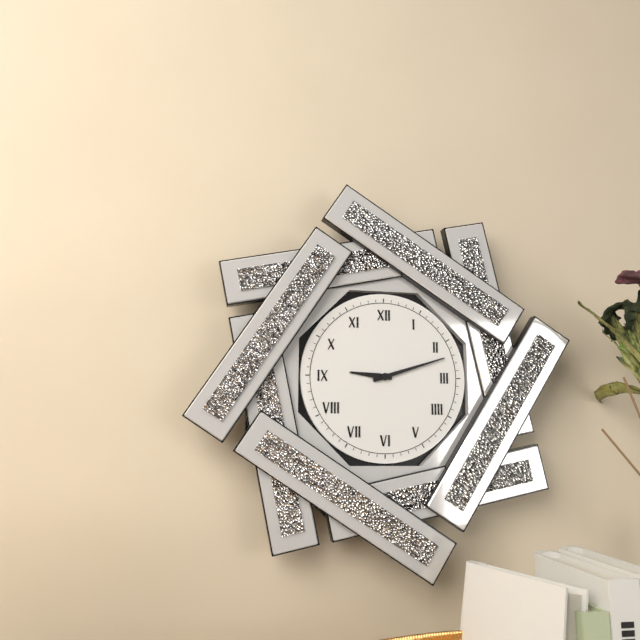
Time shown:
{"hour": 9, "minute": 12}
